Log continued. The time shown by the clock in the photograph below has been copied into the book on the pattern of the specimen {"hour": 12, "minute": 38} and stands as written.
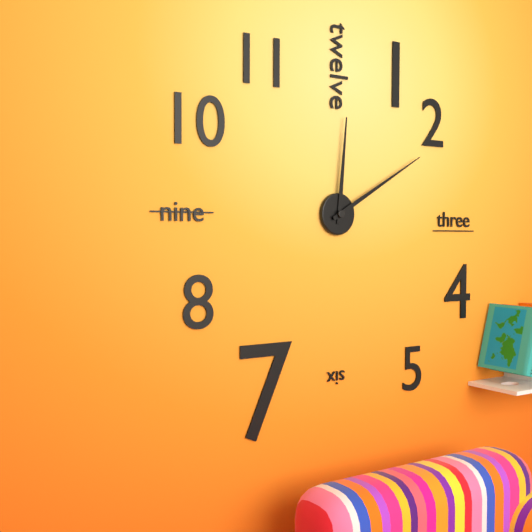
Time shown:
{"hour": 12, "minute": 10}
